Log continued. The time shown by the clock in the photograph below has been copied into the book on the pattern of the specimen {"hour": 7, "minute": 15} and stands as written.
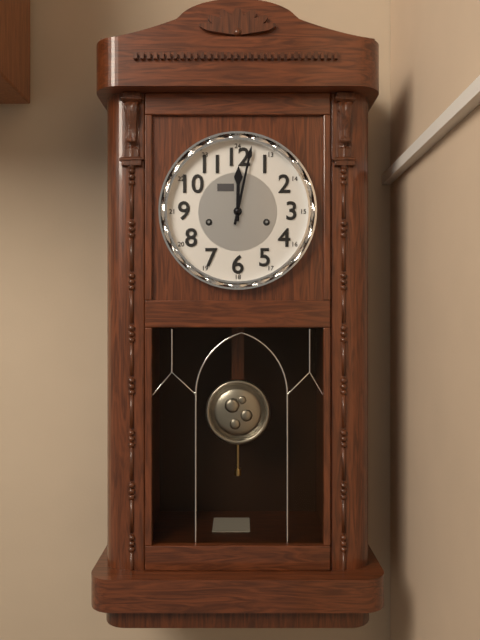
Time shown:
{"hour": 12, "minute": 2}
